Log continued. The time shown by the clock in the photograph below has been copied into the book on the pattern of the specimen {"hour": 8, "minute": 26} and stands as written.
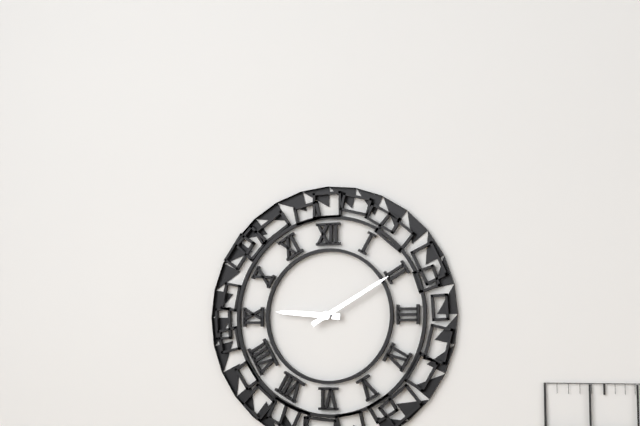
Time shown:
{"hour": 9, "minute": 10}
